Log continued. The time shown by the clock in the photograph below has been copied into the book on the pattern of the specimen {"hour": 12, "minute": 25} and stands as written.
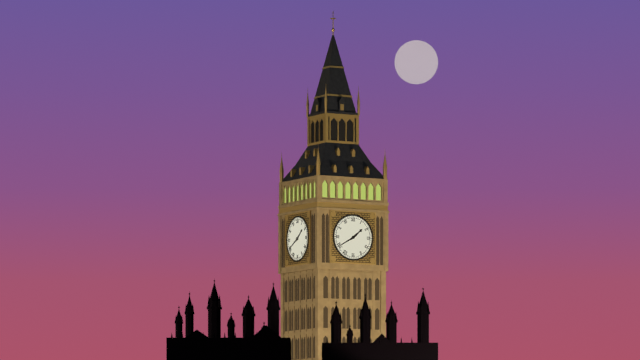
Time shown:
{"hour": 1, "minute": 40}
